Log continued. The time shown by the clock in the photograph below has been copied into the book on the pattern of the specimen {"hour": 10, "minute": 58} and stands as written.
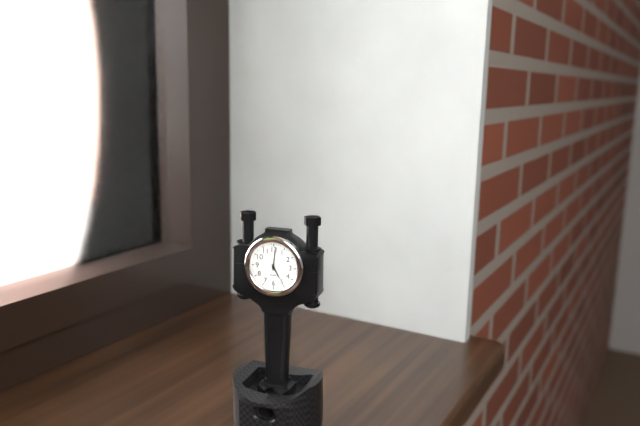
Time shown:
{"hour": 5, "minute": 1}
